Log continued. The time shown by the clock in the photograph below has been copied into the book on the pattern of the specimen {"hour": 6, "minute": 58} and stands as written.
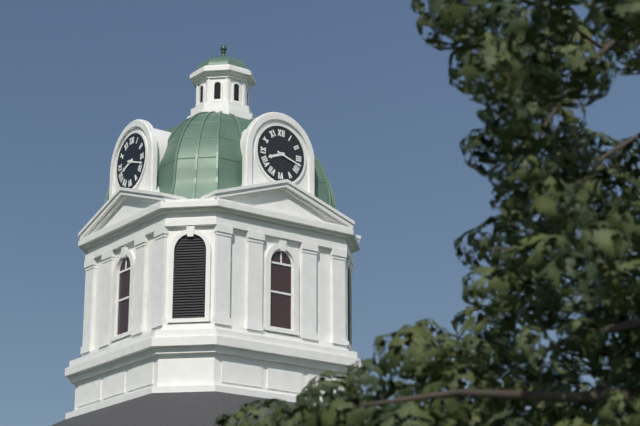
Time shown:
{"hour": 8, "minute": 18}
